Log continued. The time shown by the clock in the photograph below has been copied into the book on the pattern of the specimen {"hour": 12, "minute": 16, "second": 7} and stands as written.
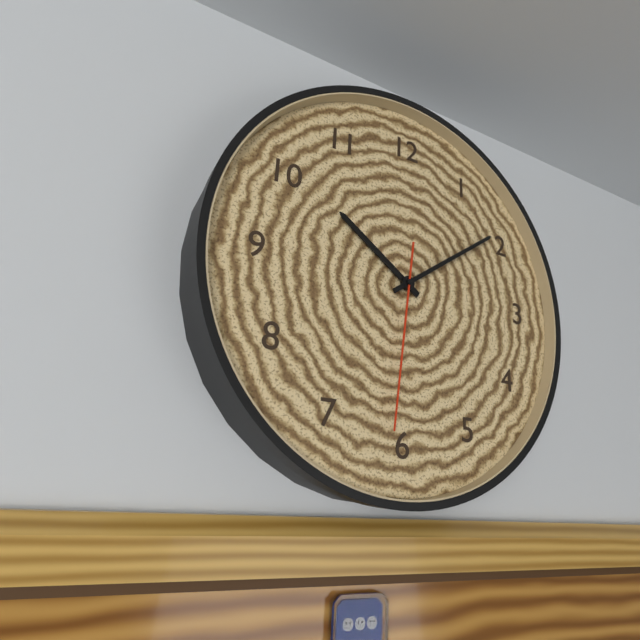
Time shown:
{"hour": 10, "minute": 9, "second": 31}
